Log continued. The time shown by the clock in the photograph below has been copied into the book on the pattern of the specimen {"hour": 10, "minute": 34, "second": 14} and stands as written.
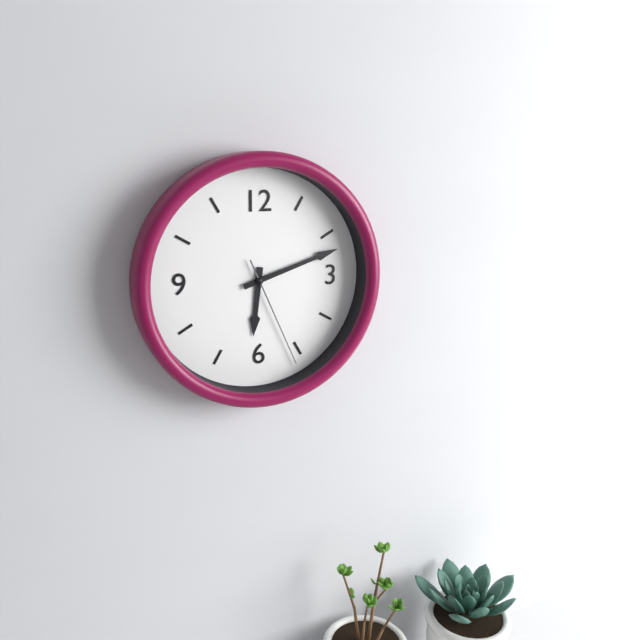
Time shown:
{"hour": 6, "minute": 12, "second": 26}
